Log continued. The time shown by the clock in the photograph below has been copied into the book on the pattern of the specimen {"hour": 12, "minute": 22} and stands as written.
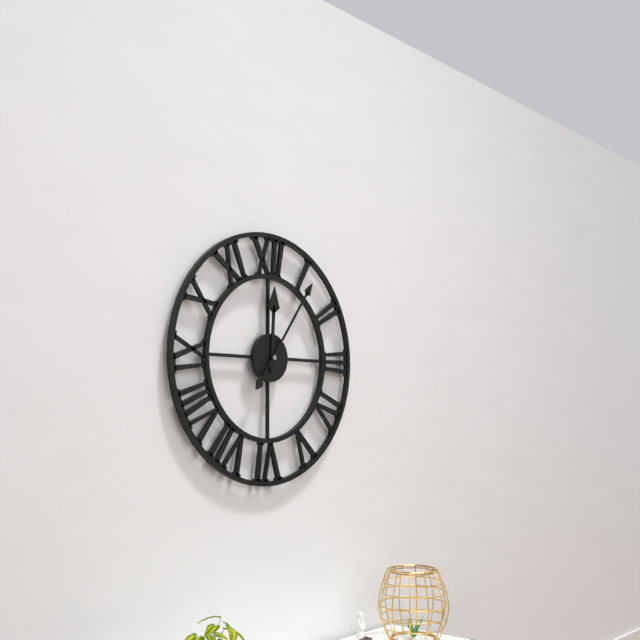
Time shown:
{"hour": 12, "minute": 6}
